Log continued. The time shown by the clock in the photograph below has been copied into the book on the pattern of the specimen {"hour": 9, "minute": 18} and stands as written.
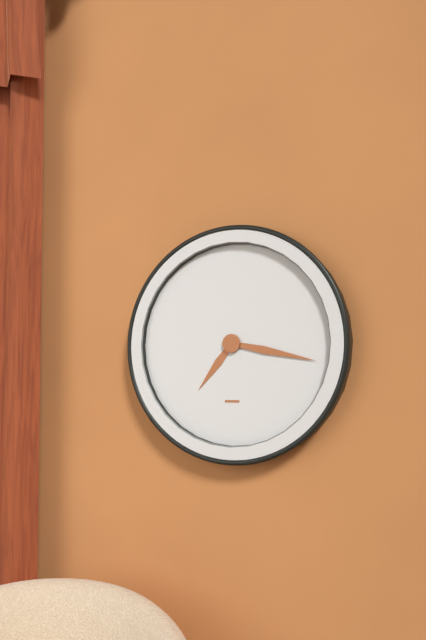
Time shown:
{"hour": 7, "minute": 17}
